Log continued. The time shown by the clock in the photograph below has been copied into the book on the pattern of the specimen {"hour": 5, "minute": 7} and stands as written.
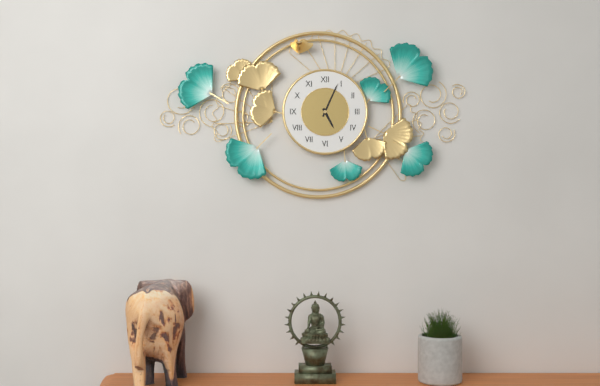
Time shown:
{"hour": 5, "minute": 4}
